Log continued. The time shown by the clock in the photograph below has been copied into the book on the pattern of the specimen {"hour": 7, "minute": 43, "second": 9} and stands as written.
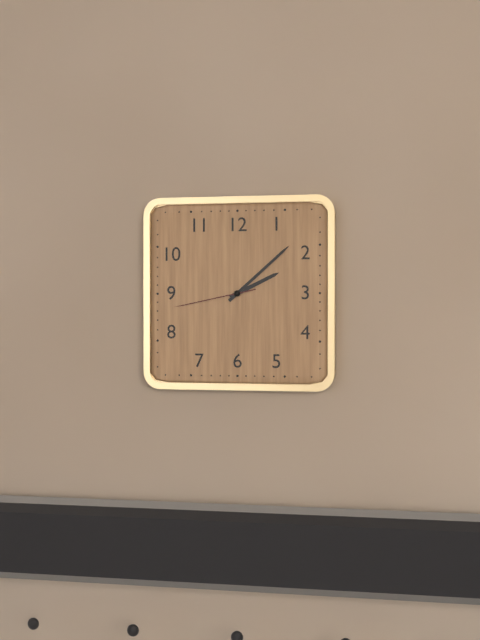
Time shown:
{"hour": 2, "minute": 8, "second": 43}
